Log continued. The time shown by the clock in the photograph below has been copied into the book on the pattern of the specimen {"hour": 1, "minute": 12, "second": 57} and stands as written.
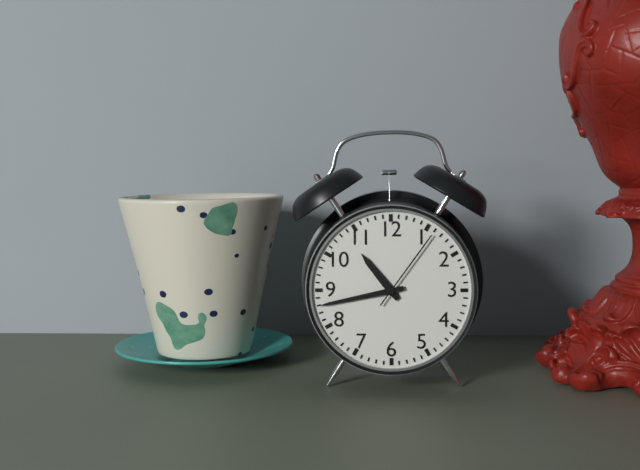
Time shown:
{"hour": 10, "minute": 43, "second": 6}
